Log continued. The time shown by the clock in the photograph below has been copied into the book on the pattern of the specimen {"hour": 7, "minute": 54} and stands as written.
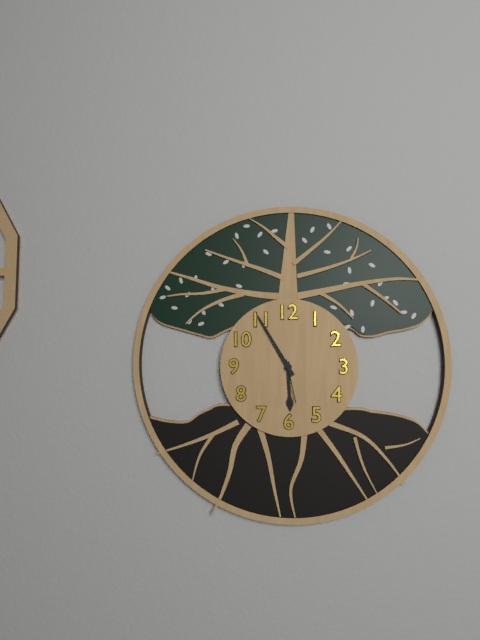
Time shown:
{"hour": 5, "minute": 55}
